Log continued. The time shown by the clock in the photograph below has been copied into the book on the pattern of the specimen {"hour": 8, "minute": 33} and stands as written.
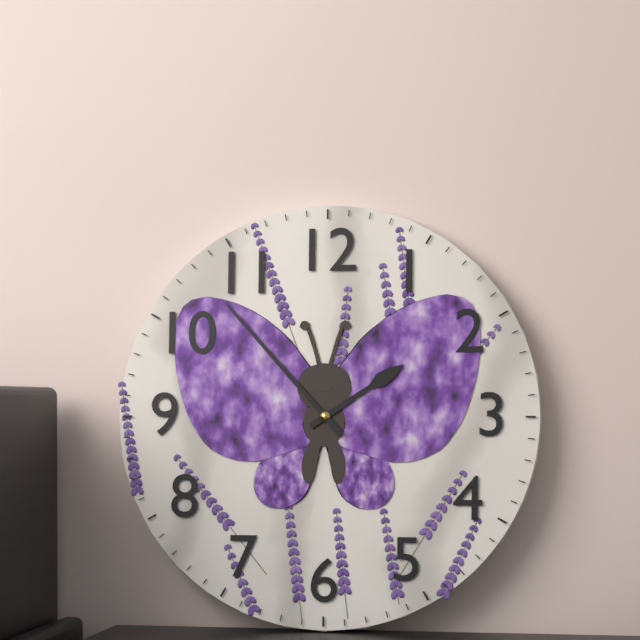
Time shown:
{"hour": 1, "minute": 53}
